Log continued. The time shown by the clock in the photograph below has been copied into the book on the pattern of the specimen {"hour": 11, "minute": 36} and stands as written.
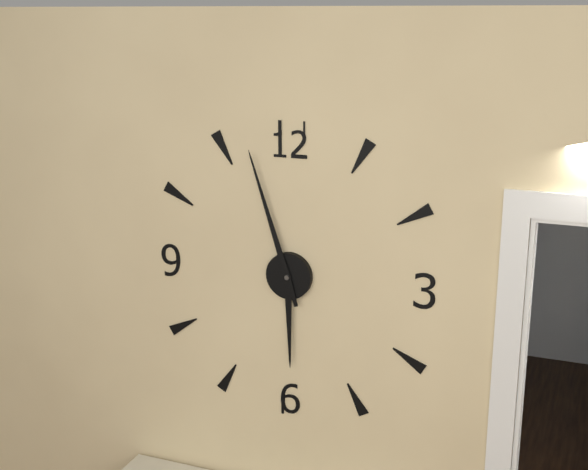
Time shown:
{"hour": 5, "minute": 57}
